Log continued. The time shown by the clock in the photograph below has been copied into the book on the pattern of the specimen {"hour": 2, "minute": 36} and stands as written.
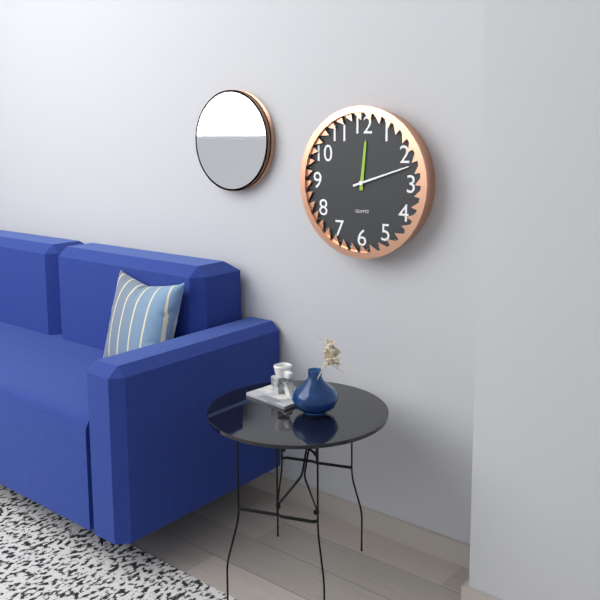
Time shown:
{"hour": 12, "minute": 12}
